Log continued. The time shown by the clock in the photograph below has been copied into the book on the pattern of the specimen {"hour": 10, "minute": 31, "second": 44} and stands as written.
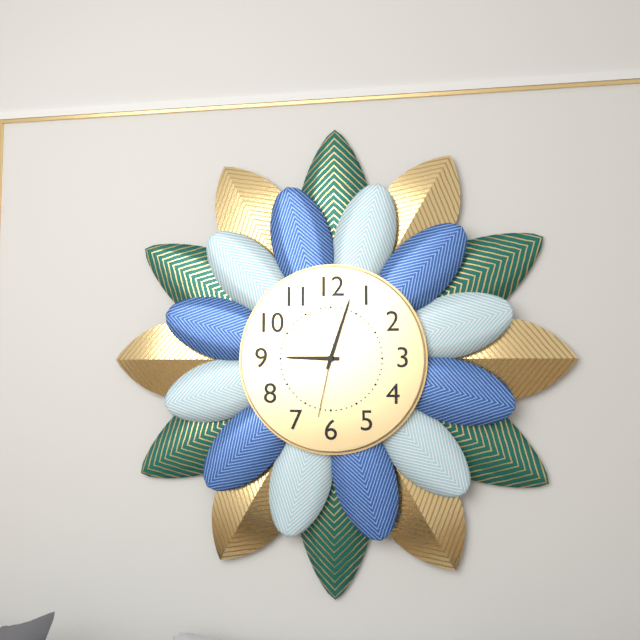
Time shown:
{"hour": 9, "minute": 3, "second": 32}
